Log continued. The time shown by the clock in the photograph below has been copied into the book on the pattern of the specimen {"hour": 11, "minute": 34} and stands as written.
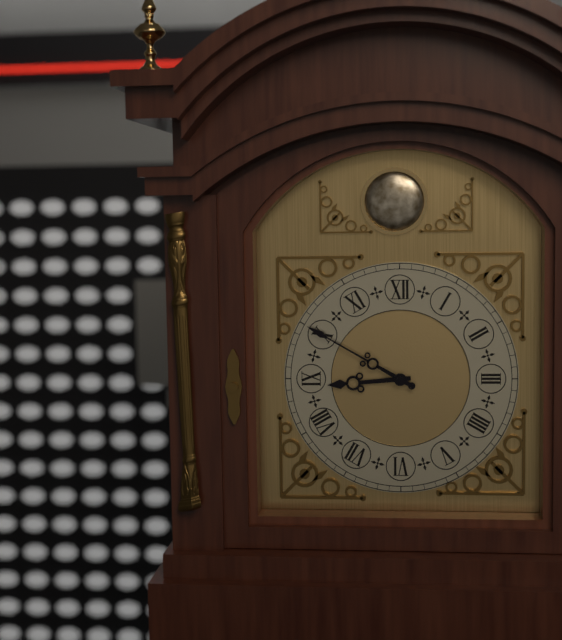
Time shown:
{"hour": 8, "minute": 50}
